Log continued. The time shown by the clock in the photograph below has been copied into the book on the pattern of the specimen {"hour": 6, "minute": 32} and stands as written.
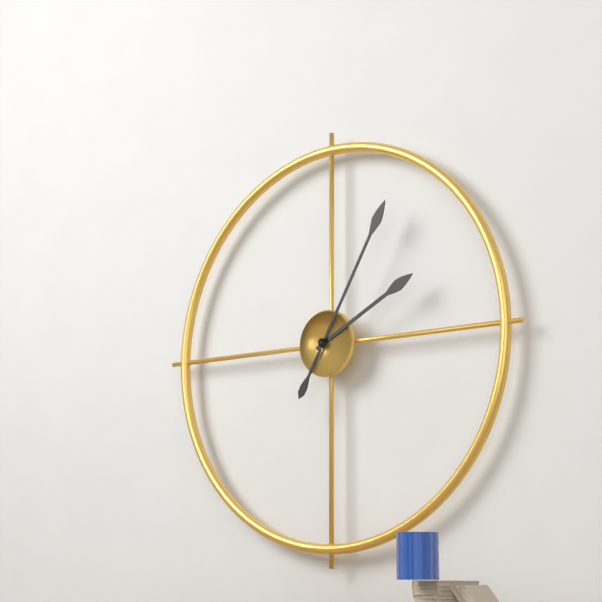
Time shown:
{"hour": 2, "minute": 5}
